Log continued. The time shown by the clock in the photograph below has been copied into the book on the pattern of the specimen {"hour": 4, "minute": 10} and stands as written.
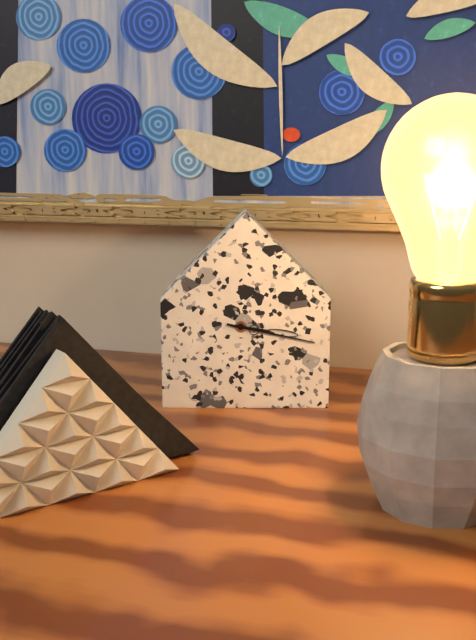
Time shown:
{"hour": 3, "minute": 17}
